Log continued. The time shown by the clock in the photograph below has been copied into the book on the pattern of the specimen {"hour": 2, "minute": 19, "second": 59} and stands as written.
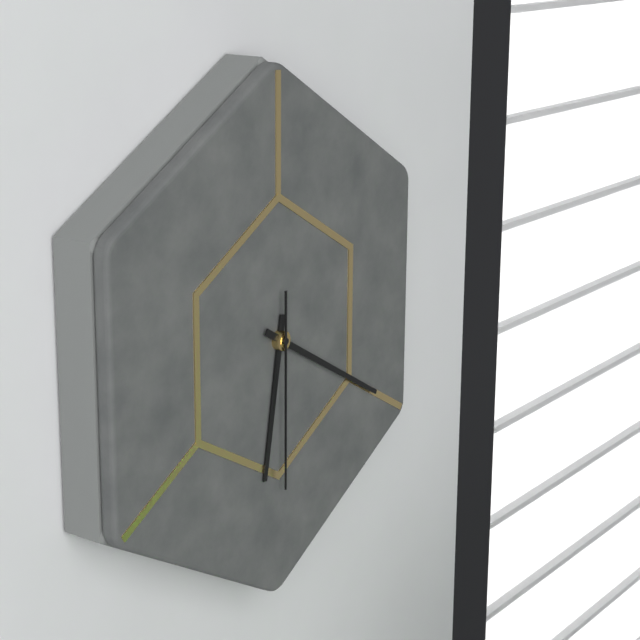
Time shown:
{"hour": 6, "minute": 20, "second": 30}
